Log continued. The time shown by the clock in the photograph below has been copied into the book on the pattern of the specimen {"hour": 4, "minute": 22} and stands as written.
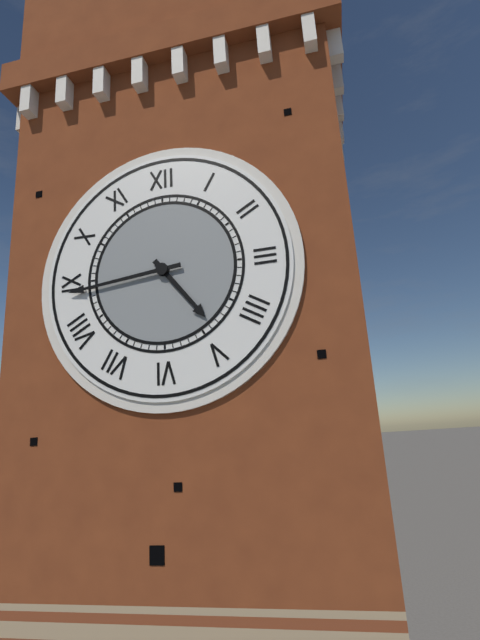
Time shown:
{"hour": 4, "minute": 44}
